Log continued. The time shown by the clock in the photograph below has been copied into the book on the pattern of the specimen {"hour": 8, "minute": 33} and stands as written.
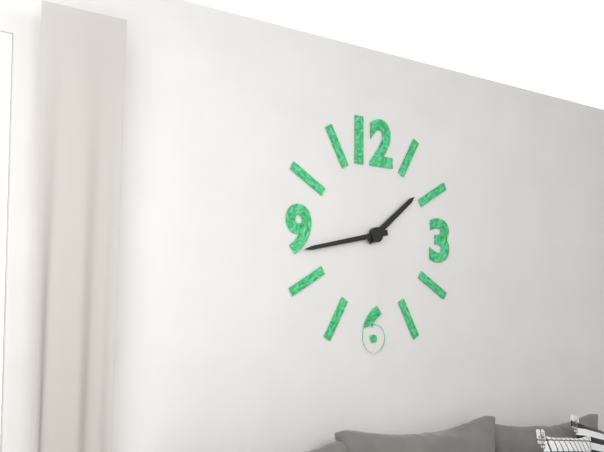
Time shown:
{"hour": 1, "minute": 43}
